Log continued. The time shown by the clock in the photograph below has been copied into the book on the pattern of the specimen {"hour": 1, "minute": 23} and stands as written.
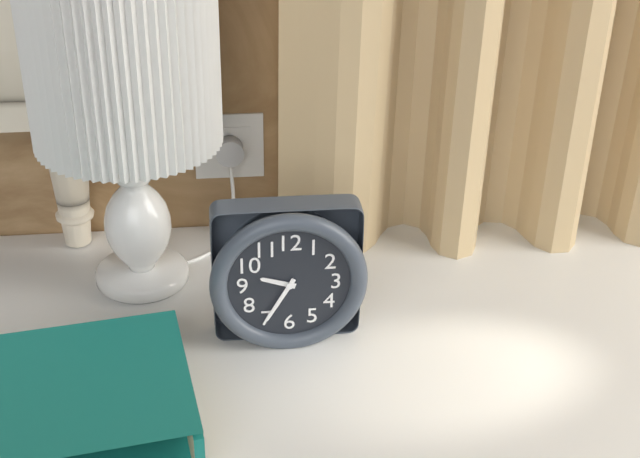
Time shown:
{"hour": 9, "minute": 35}
